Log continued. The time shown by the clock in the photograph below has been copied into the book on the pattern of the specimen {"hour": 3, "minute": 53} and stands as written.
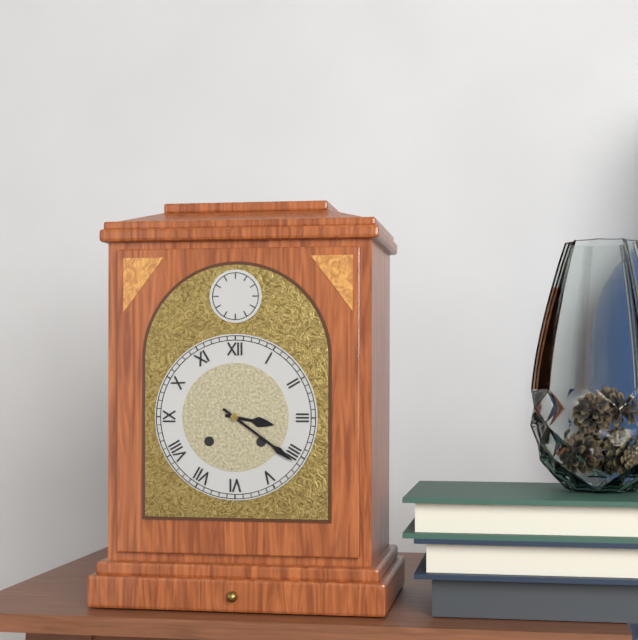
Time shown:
{"hour": 3, "minute": 21}
